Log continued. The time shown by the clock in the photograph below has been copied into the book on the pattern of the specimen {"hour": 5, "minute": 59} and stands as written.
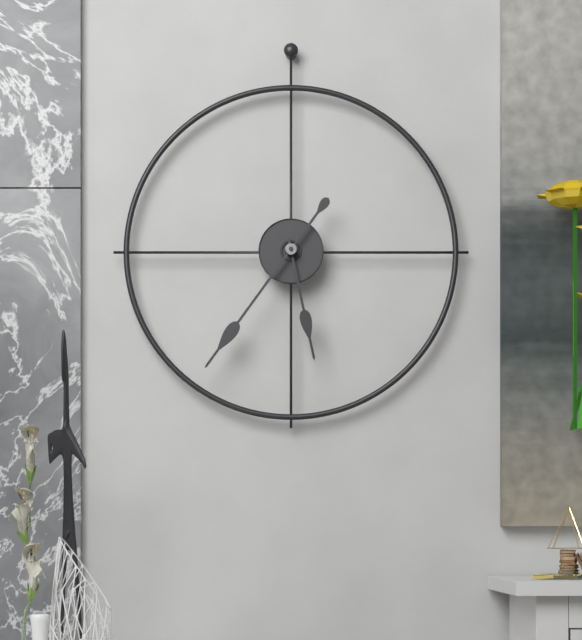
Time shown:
{"hour": 5, "minute": 36}
